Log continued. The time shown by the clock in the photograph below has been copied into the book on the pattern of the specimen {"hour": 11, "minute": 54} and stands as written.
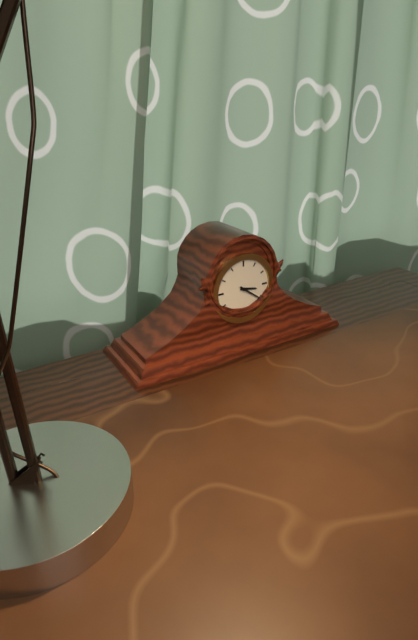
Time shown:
{"hour": 3, "minute": 21}
